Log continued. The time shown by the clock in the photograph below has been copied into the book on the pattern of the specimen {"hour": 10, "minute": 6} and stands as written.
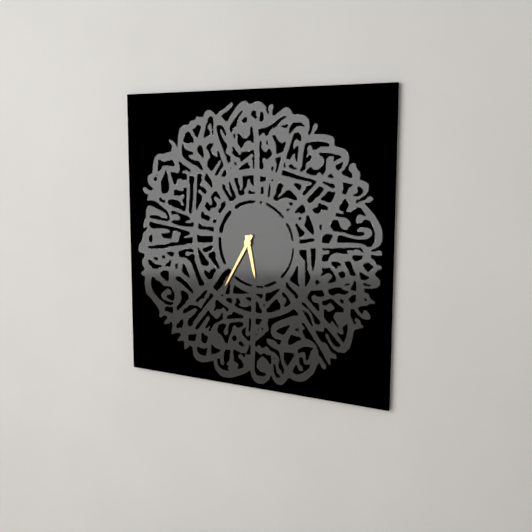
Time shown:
{"hour": 5, "minute": 35}
